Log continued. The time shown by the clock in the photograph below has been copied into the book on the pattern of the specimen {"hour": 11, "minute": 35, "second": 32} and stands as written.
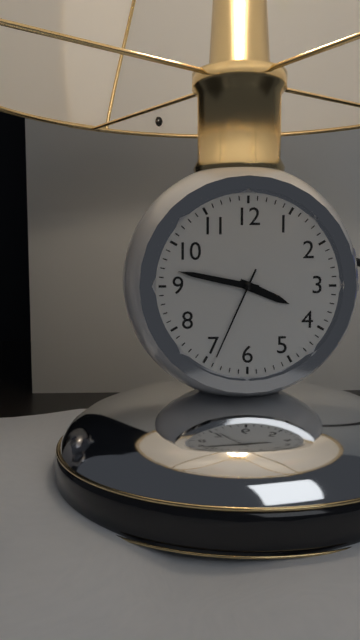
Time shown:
{"hour": 3, "minute": 47, "second": 34}
